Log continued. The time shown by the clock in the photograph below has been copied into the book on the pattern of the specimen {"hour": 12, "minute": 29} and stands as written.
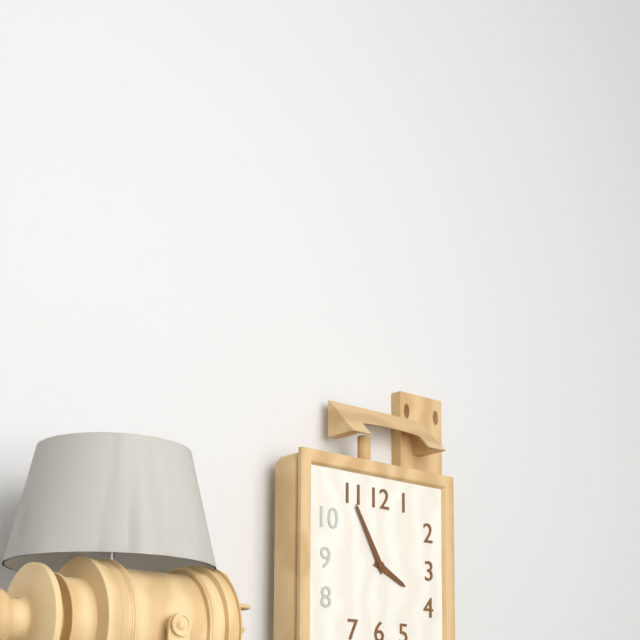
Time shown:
{"hour": 3, "minute": 55}
